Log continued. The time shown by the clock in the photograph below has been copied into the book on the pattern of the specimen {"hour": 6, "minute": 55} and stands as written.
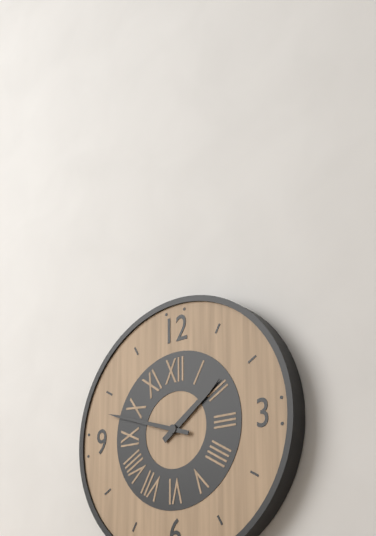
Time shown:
{"hour": 1, "minute": 48}
